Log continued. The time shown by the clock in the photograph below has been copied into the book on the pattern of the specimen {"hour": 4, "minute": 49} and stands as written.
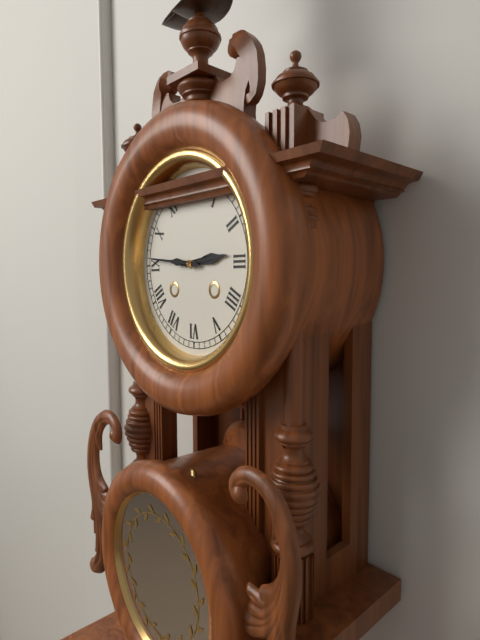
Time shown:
{"hour": 2, "minute": 46}
